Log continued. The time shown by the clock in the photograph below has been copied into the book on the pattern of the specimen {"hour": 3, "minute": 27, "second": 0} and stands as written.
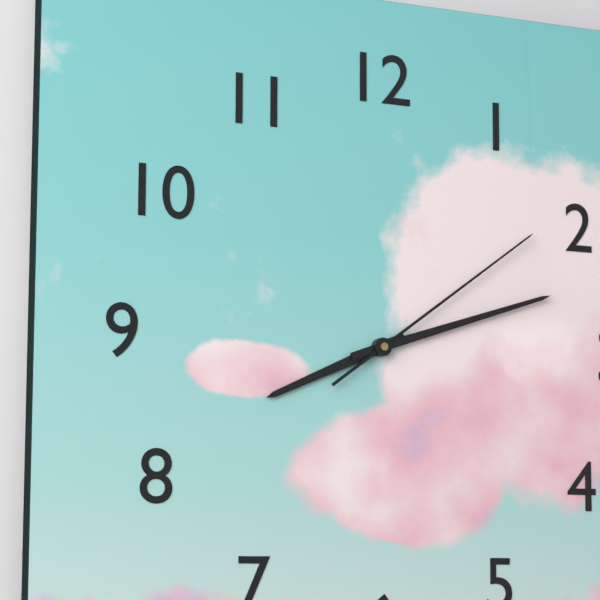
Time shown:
{"hour": 8, "minute": 12, "second": 9}
